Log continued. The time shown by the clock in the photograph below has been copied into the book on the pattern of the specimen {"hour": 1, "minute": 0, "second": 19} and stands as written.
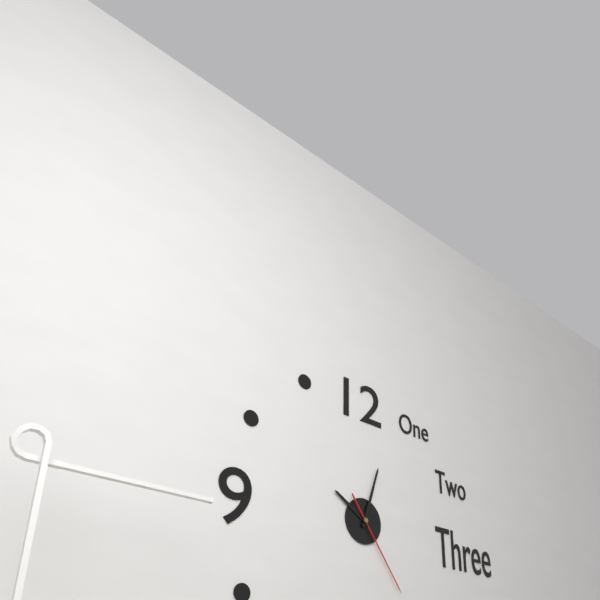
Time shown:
{"hour": 10, "minute": 3, "second": 24}
